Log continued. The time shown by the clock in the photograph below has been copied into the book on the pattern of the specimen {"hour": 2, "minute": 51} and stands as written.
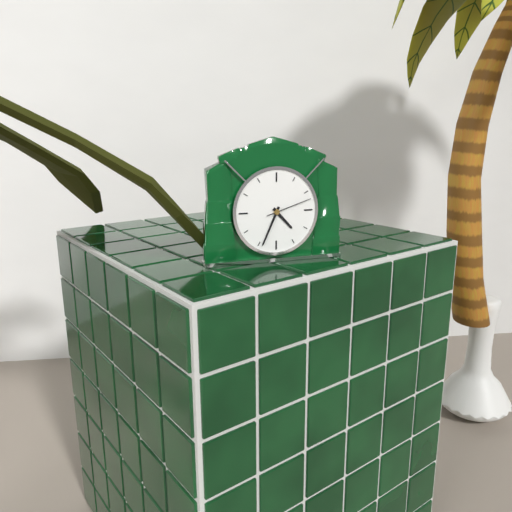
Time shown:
{"hour": 4, "minute": 34}
